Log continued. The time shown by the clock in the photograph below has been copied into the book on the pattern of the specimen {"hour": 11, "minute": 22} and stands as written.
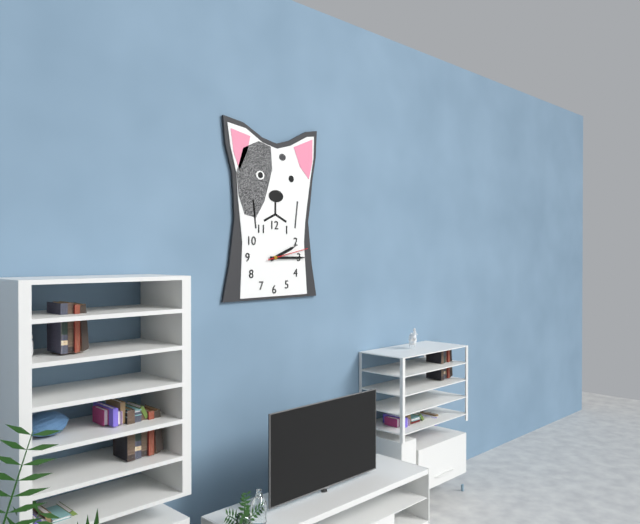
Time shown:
{"hour": 2, "minute": 15}
